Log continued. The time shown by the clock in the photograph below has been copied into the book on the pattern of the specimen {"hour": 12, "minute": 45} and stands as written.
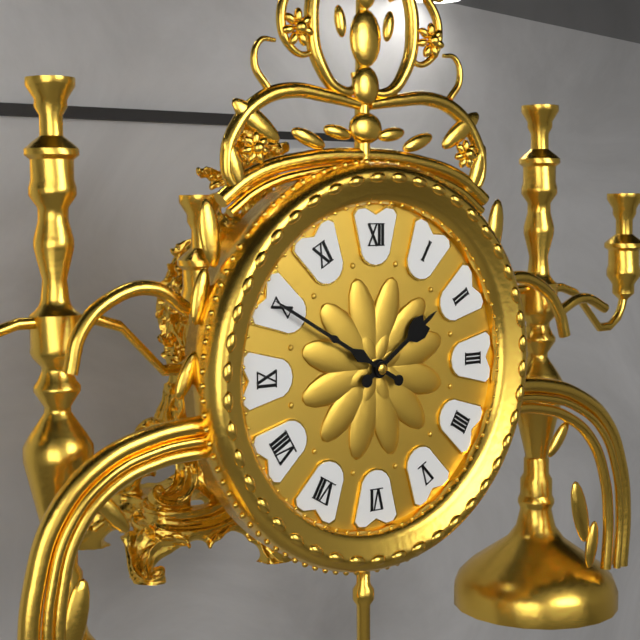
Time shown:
{"hour": 1, "minute": 50}
